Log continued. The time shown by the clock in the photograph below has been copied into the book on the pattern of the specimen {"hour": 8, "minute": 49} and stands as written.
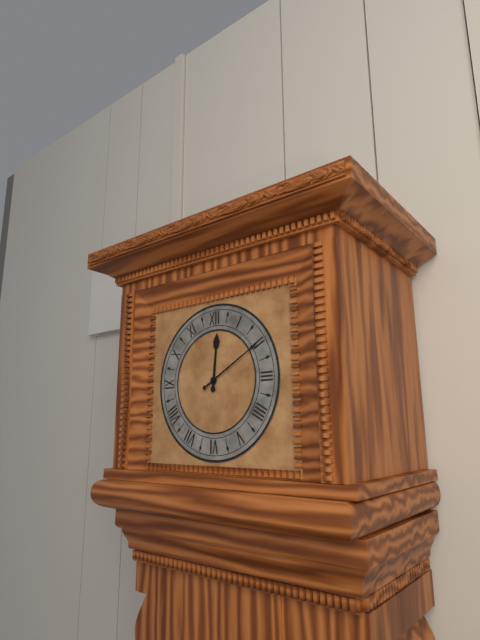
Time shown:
{"hour": 12, "minute": 10}
